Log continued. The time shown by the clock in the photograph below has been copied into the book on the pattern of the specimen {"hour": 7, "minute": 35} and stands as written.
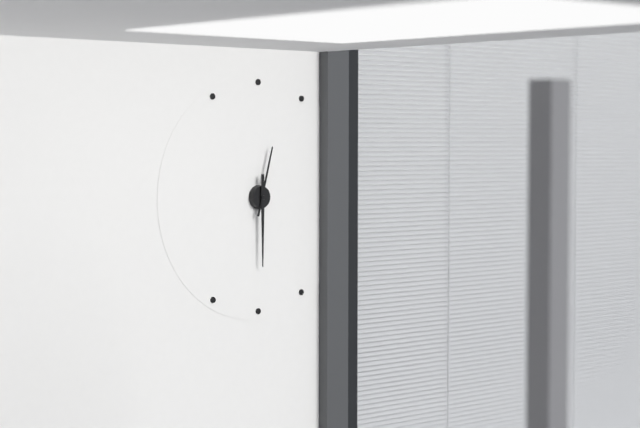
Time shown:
{"hour": 12, "minute": 30}
